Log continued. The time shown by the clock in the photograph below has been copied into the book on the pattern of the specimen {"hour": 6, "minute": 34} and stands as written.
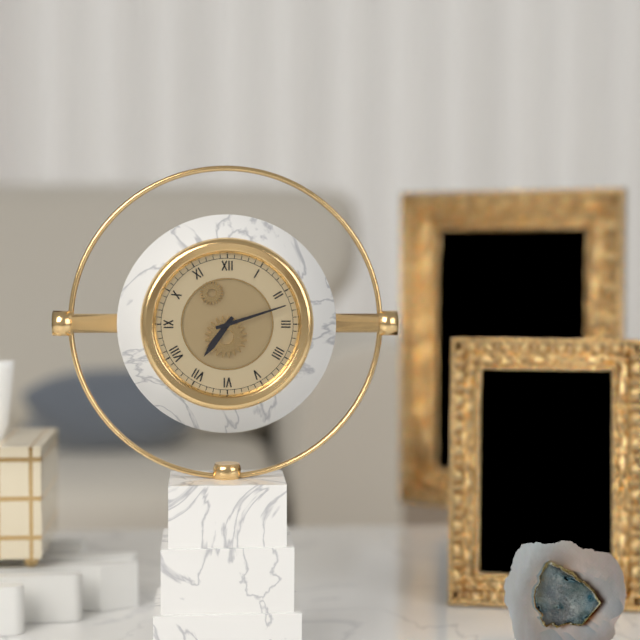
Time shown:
{"hour": 7, "minute": 12}
